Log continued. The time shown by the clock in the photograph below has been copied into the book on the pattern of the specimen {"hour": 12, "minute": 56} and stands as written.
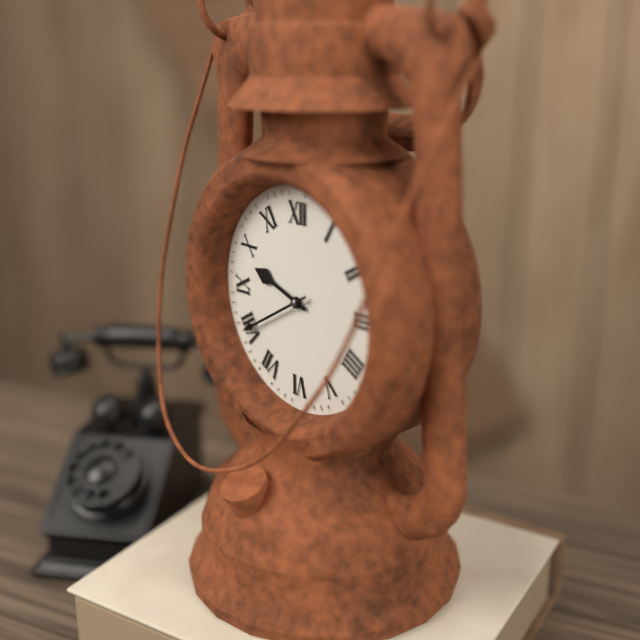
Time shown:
{"hour": 9, "minute": 40}
